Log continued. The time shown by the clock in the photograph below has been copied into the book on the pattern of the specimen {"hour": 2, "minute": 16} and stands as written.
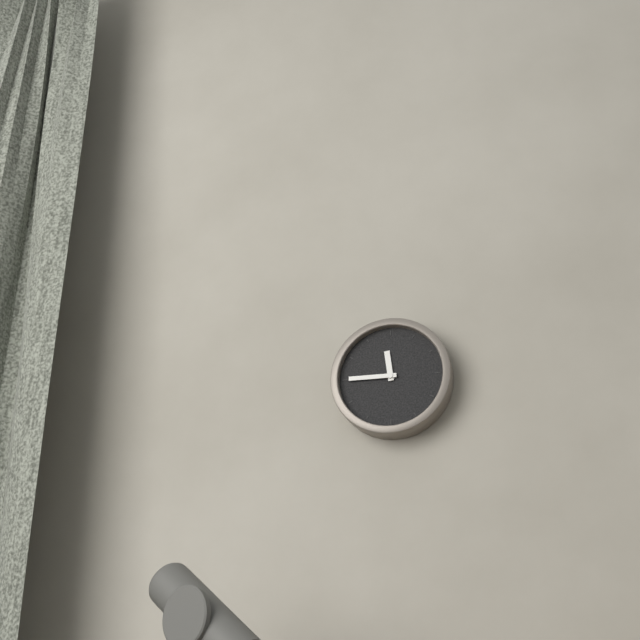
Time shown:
{"hour": 11, "minute": 45}
